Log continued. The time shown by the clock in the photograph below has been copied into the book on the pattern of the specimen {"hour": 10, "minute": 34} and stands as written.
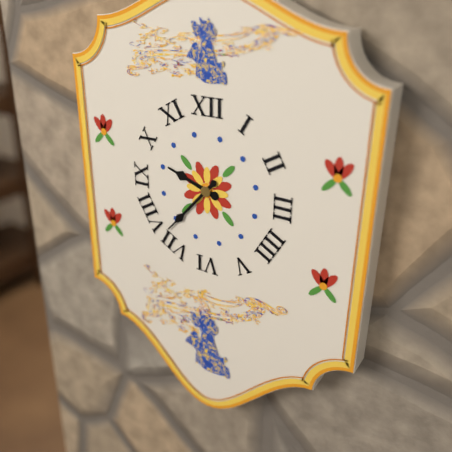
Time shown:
{"hour": 9, "minute": 37}
